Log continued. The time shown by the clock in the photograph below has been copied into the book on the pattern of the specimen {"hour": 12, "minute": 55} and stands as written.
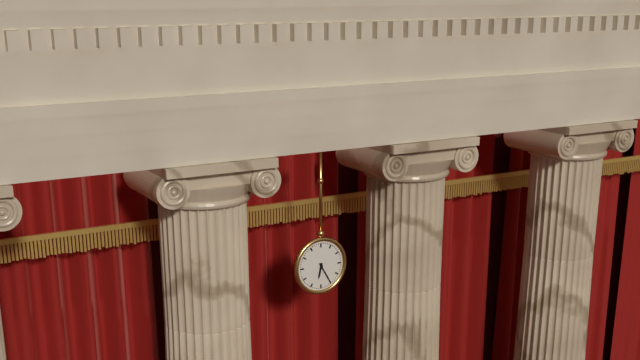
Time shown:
{"hour": 6, "minute": 25}
